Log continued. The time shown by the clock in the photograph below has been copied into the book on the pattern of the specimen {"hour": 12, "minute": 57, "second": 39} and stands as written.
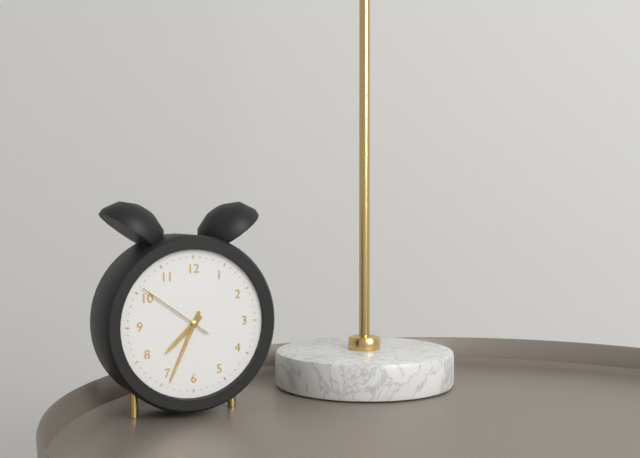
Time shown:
{"hour": 7, "minute": 34, "second": 51}
